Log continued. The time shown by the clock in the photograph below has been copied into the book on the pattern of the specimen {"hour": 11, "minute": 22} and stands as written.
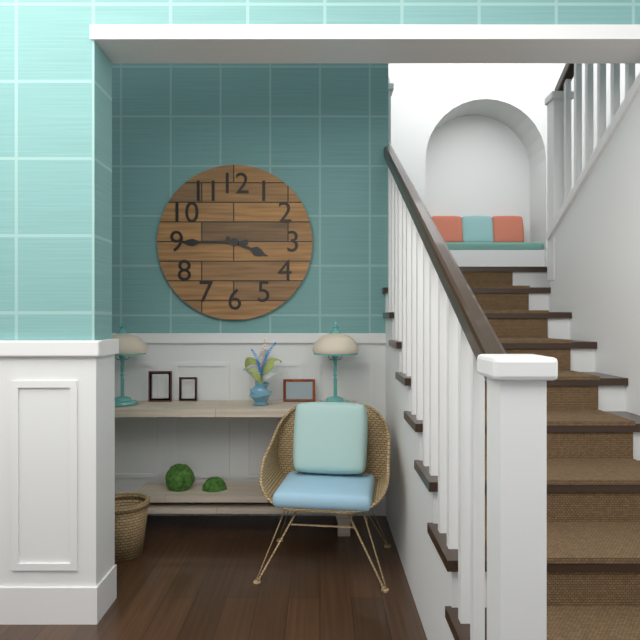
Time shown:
{"hour": 3, "minute": 45}
